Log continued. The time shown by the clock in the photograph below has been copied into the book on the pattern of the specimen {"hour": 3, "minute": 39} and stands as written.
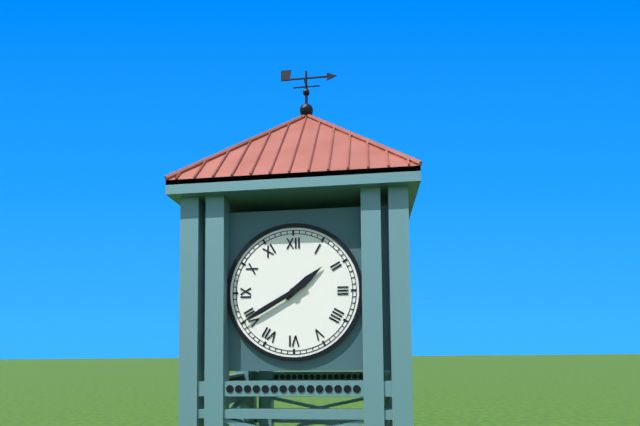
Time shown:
{"hour": 1, "minute": 40}
